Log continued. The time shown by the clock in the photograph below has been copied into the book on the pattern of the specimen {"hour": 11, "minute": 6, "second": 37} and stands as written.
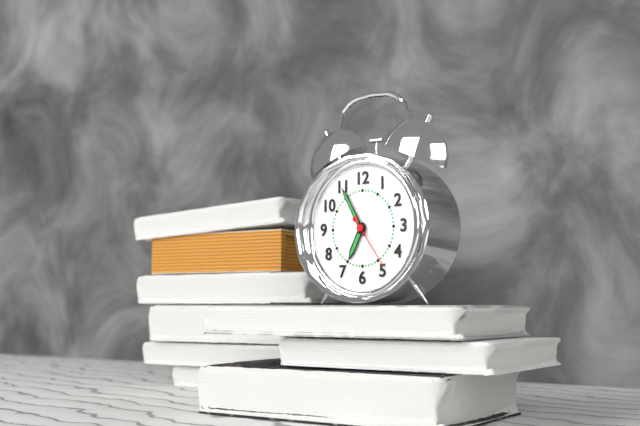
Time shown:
{"hour": 6, "minute": 55, "second": 24}
